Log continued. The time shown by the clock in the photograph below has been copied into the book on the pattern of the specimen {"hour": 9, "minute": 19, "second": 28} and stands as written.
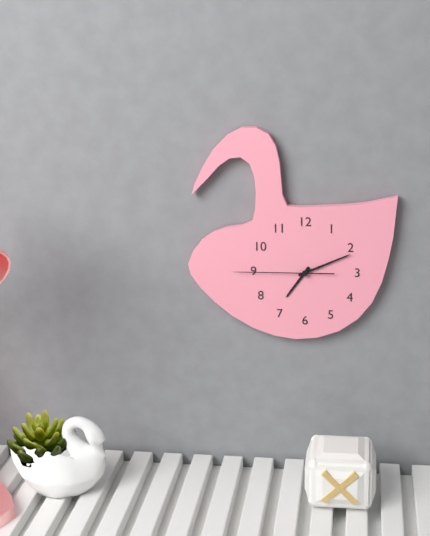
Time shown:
{"hour": 7, "minute": 11, "second": 45}
